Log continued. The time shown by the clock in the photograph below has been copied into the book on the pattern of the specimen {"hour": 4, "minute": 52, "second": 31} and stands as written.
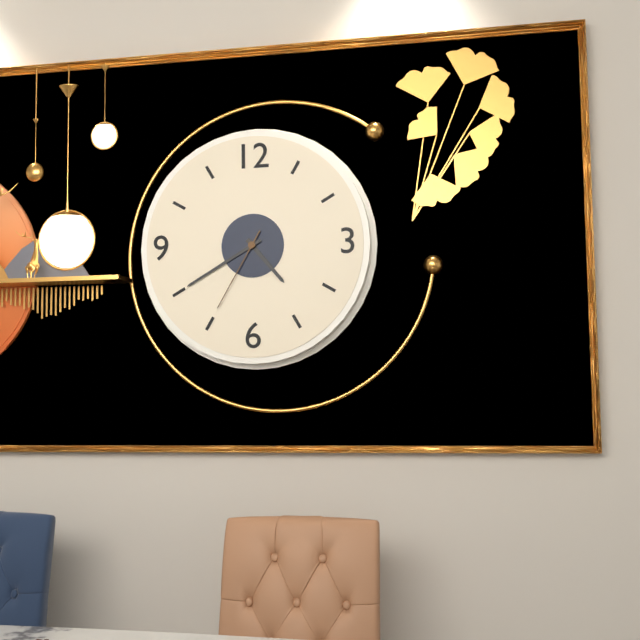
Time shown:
{"hour": 4, "minute": 40, "second": 35}
